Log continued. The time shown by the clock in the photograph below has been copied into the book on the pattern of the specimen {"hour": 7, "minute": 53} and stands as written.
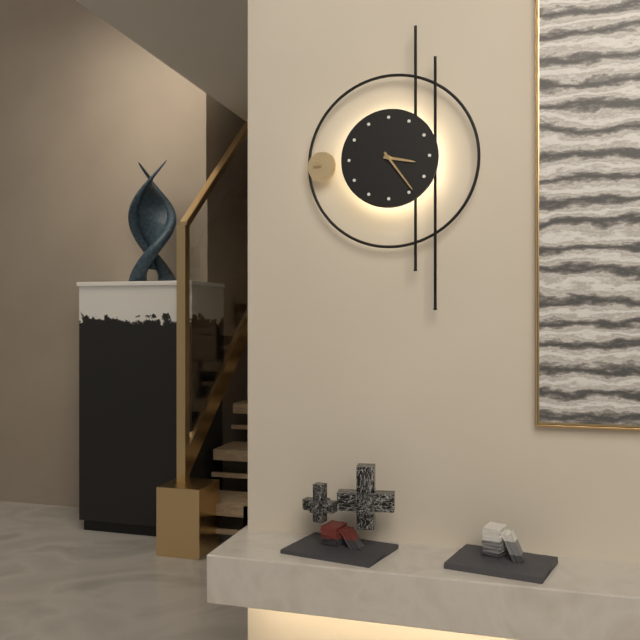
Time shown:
{"hour": 3, "minute": 24}
